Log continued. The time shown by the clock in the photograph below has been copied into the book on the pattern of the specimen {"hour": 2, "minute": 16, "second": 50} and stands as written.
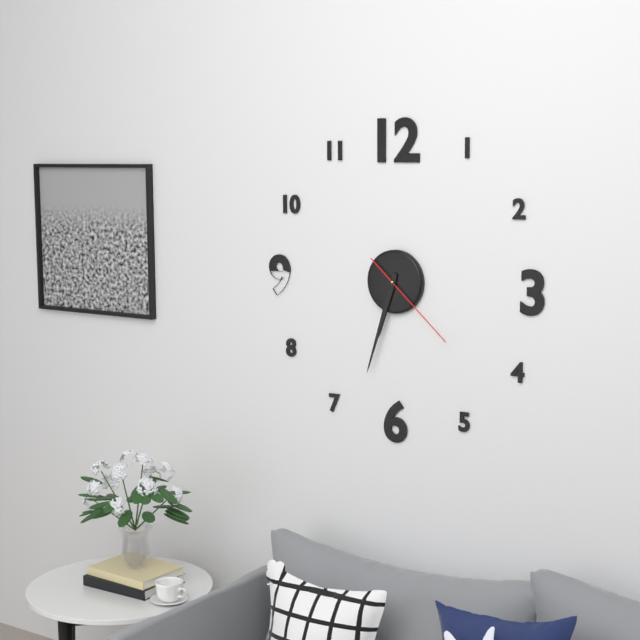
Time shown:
{"hour": 6, "minute": 33, "second": 22}
